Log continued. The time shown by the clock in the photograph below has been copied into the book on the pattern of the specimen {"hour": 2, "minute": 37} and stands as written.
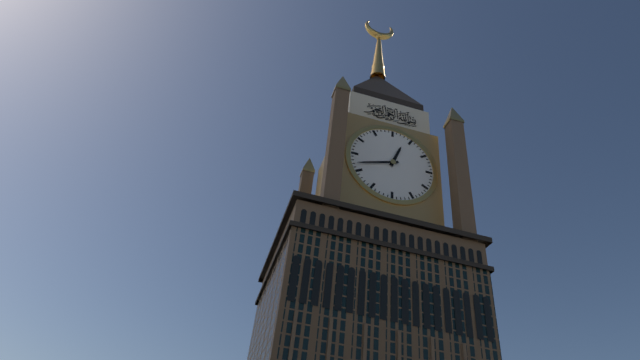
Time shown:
{"hour": 12, "minute": 42}
